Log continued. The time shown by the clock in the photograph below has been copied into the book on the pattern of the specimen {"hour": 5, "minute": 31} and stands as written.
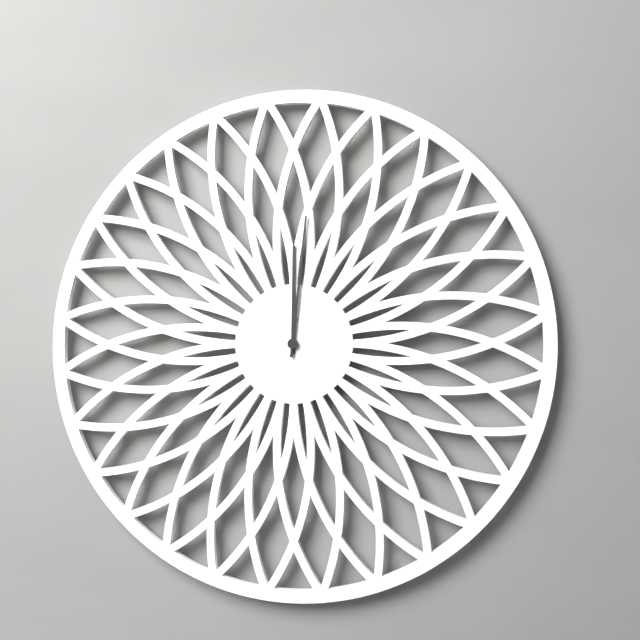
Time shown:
{"hour": 12, "minute": 1}
